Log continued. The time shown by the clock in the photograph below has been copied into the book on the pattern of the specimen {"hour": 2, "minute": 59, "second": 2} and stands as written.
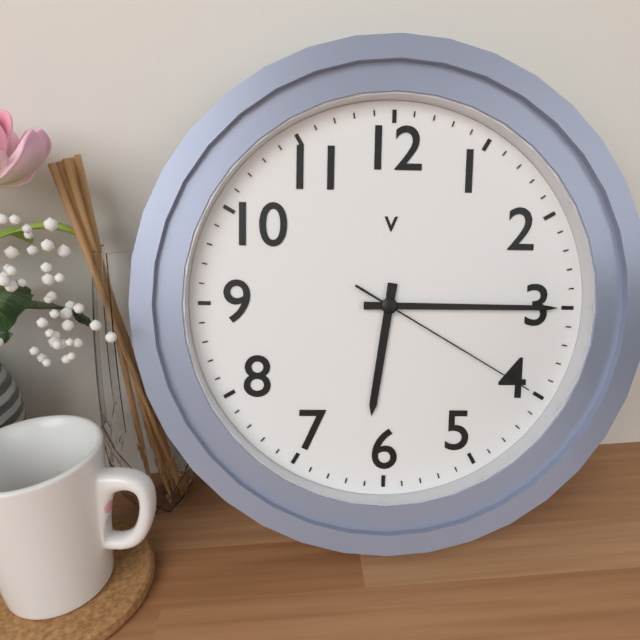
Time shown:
{"hour": 6, "minute": 15, "second": 20}
